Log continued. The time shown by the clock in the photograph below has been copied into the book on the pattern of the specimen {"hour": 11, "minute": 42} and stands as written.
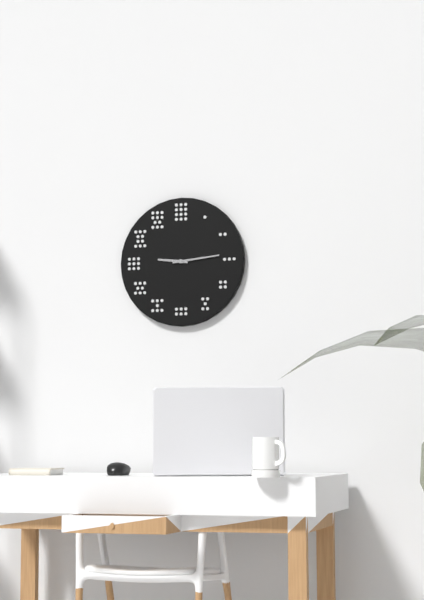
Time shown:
{"hour": 9, "minute": 14}
